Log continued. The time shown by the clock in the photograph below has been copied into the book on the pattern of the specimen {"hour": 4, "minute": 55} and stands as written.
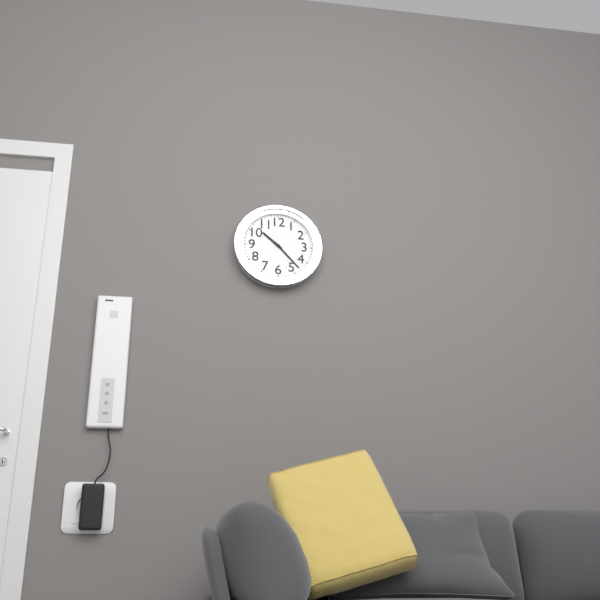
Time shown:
{"hour": 10, "minute": 23}
